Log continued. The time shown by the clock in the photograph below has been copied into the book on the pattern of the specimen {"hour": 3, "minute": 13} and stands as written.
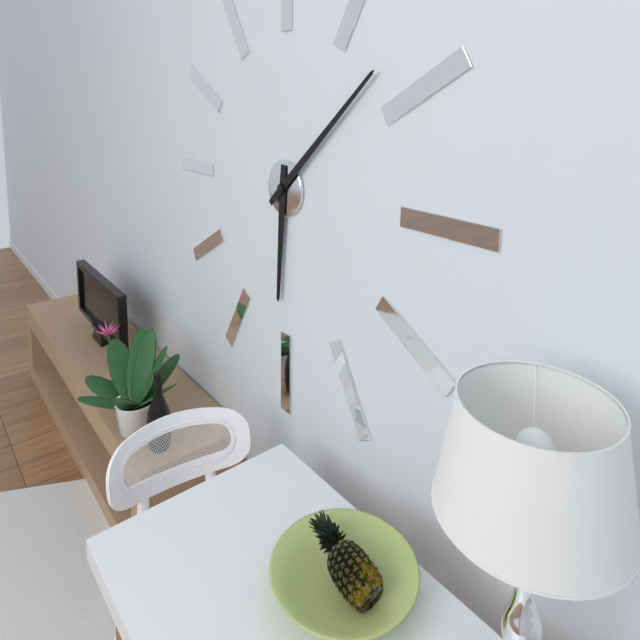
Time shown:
{"hour": 6, "minute": 8}
